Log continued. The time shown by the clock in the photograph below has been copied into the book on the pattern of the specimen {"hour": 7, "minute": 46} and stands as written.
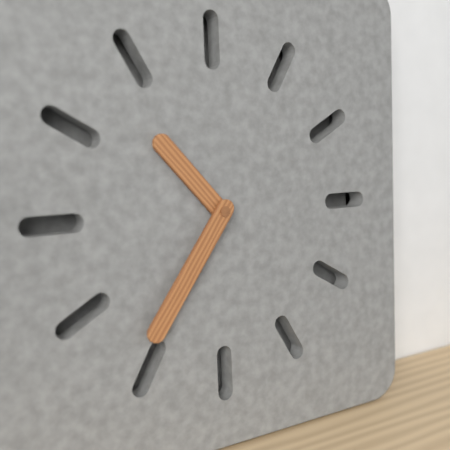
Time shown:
{"hour": 10, "minute": 36}
